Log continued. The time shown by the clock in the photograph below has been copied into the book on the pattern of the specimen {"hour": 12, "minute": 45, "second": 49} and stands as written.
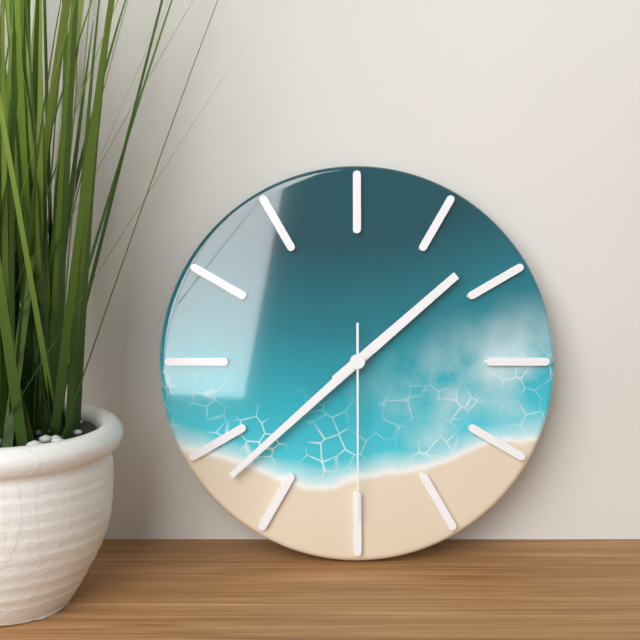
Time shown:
{"hour": 1, "minute": 38, "second": 30}
